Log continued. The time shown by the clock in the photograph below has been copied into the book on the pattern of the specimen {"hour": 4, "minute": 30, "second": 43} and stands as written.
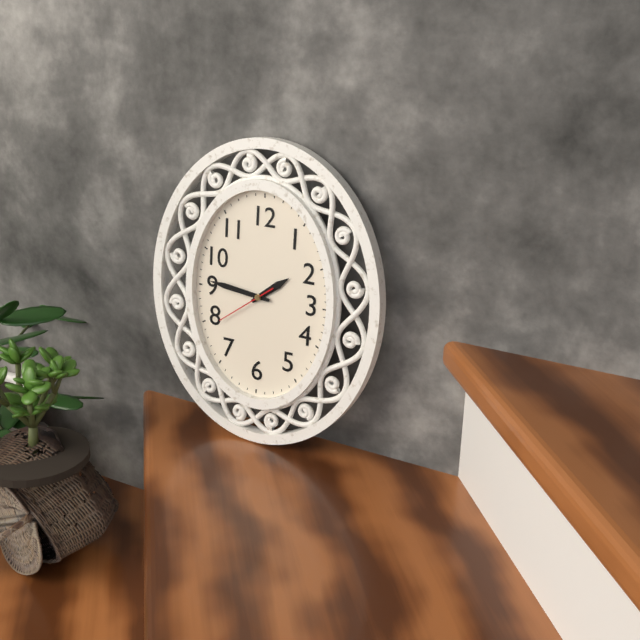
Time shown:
{"hour": 1, "minute": 46, "second": 39}
